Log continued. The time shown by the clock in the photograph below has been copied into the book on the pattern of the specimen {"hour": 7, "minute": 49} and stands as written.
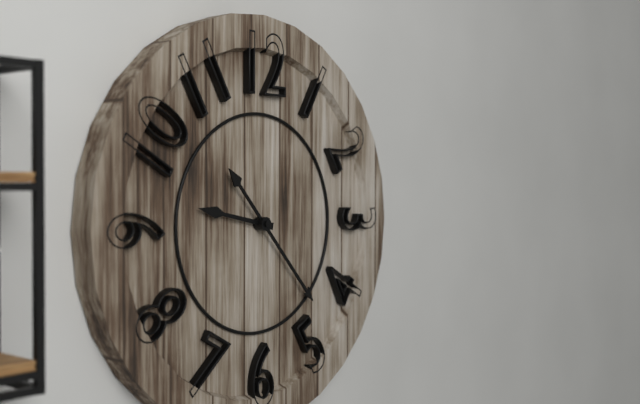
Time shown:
{"hour": 9, "minute": 23}
